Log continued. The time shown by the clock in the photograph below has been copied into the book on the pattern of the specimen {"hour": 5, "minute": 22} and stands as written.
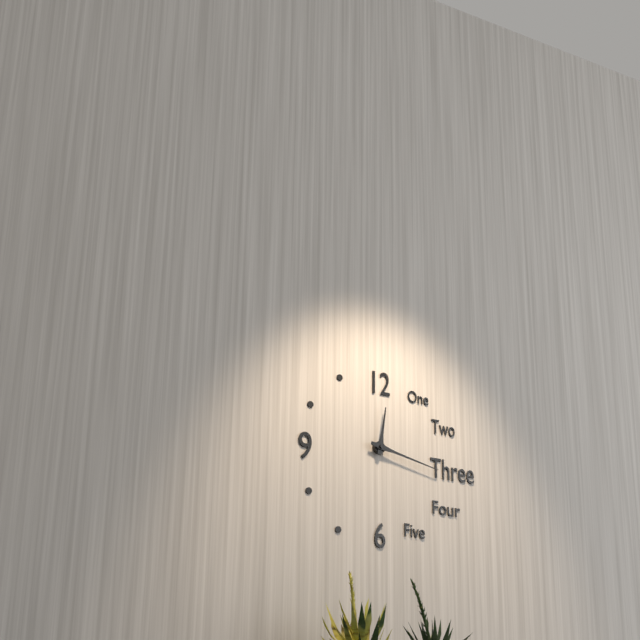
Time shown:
{"hour": 12, "minute": 17}
